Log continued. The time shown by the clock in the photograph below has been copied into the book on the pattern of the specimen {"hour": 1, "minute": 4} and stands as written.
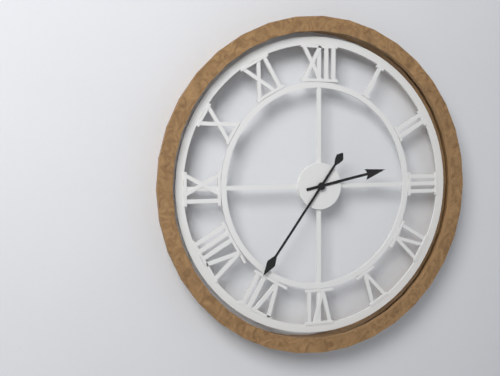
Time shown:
{"hour": 2, "minute": 36}
